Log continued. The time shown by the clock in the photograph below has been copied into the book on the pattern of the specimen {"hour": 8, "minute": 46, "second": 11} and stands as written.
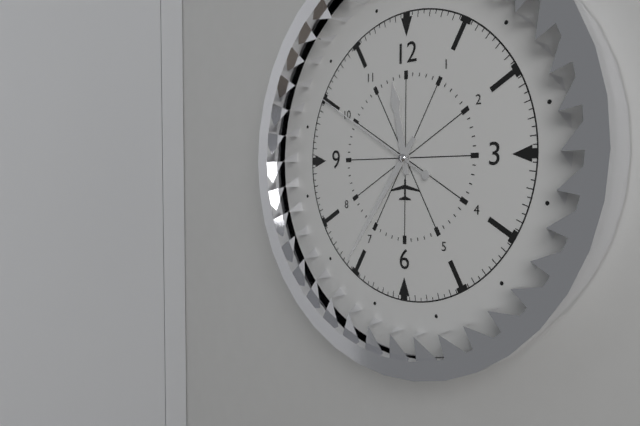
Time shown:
{"hour": 11, "minute": 36, "second": 50}
